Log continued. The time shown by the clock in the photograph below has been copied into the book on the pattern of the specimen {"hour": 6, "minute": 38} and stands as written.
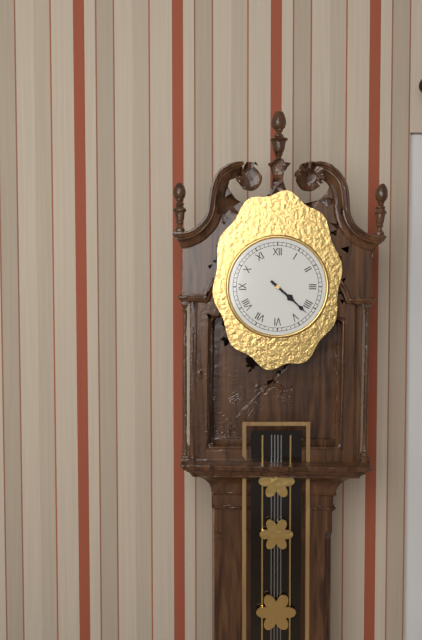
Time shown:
{"hour": 4, "minute": 22}
